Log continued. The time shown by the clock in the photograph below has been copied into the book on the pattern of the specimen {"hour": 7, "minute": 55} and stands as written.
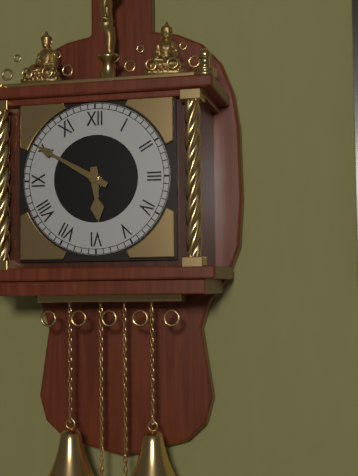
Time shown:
{"hour": 5, "minute": 50}
